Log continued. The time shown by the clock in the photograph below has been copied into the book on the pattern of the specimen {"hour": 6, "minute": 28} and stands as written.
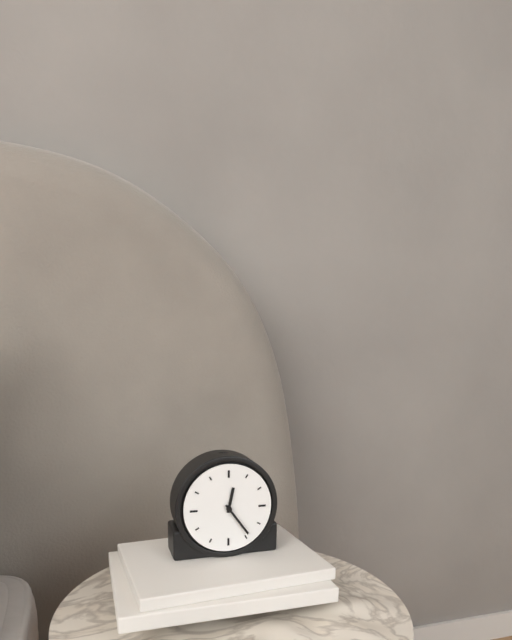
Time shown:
{"hour": 12, "minute": 24}
